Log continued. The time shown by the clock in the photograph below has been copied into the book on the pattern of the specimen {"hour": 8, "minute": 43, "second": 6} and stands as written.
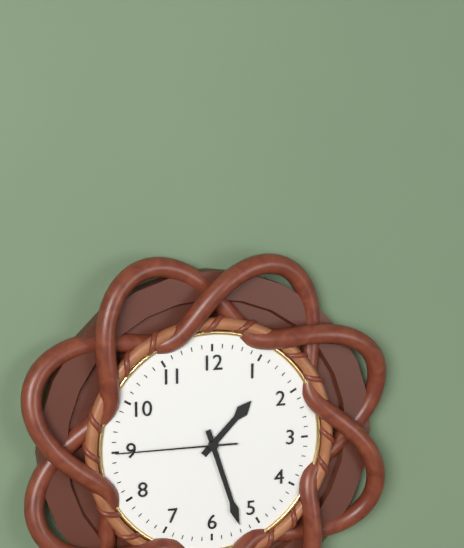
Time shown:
{"hour": 1, "minute": 27, "second": 45}
